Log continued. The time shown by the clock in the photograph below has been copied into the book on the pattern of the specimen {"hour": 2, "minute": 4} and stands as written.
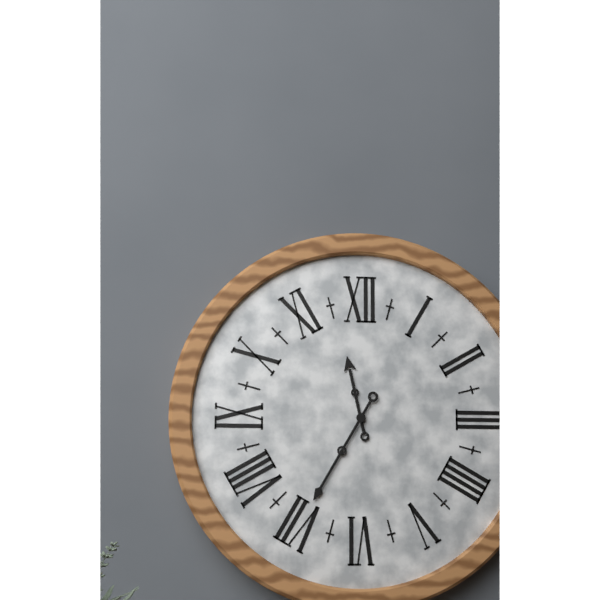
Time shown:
{"hour": 11, "minute": 35}
